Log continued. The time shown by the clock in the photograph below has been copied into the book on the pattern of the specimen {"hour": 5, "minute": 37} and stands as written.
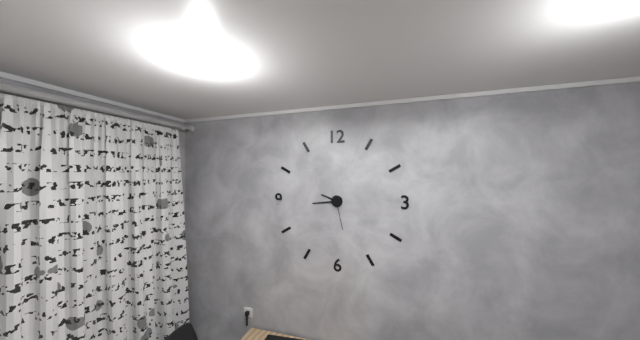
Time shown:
{"hour": 9, "minute": 44}
